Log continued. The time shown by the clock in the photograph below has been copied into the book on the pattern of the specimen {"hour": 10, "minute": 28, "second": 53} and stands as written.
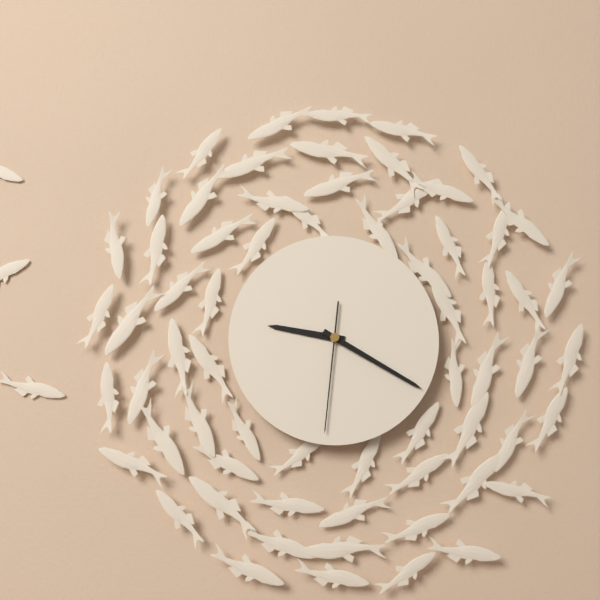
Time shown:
{"hour": 9, "minute": 20, "second": 31}
